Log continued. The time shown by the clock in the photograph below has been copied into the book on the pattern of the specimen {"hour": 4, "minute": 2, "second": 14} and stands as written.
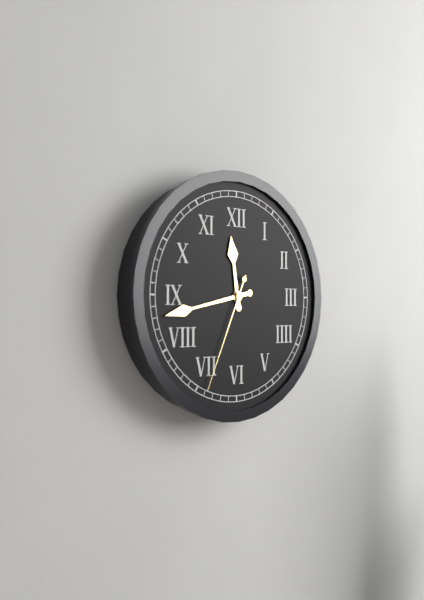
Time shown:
{"hour": 11, "minute": 43, "second": 34}
